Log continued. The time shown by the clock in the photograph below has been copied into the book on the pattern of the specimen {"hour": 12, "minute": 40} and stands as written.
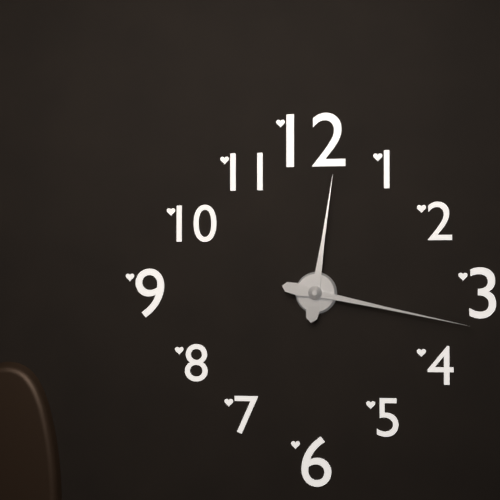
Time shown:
{"hour": 12, "minute": 17}
